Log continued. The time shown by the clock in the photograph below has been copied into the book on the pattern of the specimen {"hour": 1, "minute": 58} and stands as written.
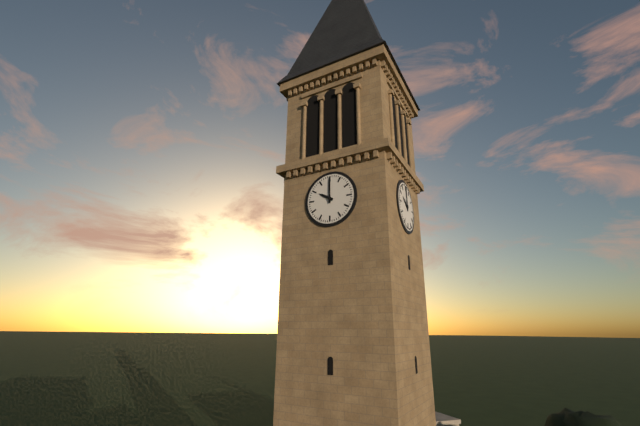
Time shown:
{"hour": 10, "minute": 0}
